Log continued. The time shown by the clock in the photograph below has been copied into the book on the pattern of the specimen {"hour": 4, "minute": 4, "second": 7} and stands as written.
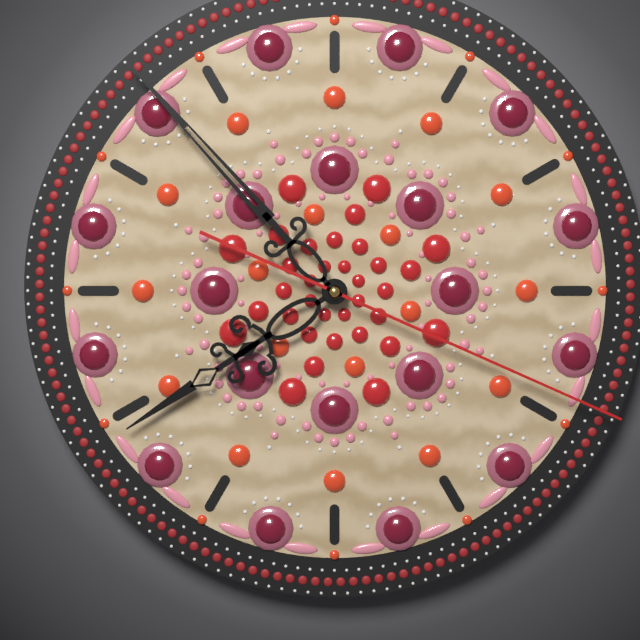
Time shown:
{"hour": 7, "minute": 53, "second": 19}
